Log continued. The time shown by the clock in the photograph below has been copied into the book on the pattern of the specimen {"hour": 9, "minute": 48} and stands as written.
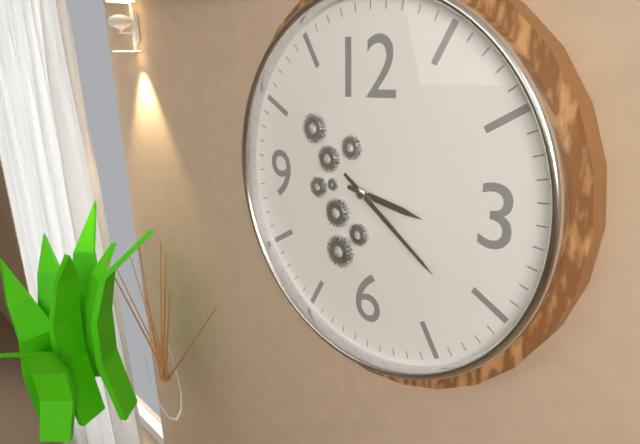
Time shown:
{"hour": 3, "minute": 21}
